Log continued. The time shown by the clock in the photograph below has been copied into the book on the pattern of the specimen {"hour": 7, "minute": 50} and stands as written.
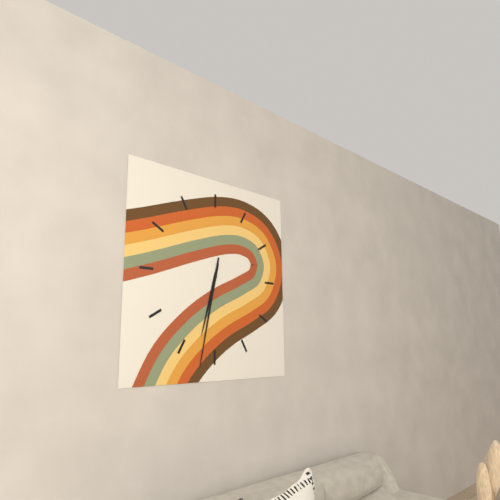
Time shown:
{"hour": 6, "minute": 32}
